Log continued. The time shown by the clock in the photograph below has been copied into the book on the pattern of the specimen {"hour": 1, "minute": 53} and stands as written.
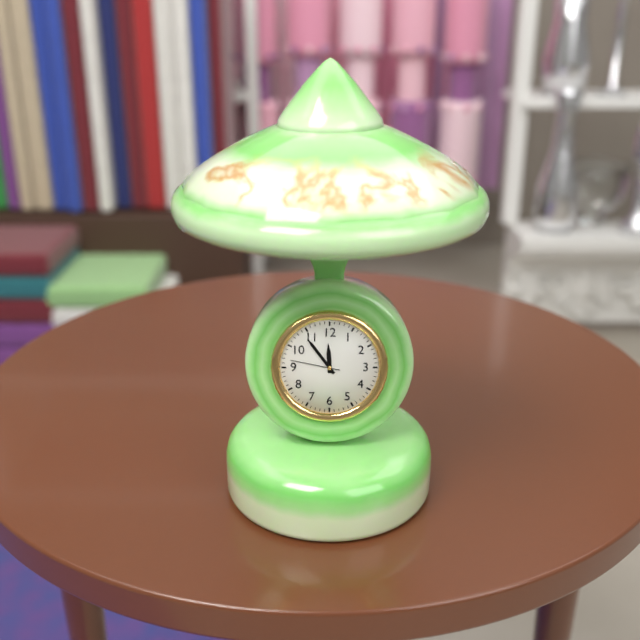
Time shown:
{"hour": 11, "minute": 54}
